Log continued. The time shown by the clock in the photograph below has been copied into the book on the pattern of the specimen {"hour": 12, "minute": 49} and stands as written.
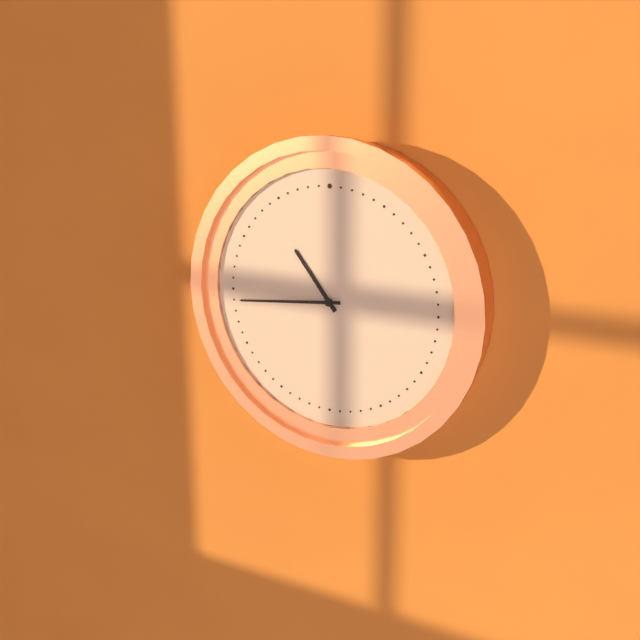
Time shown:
{"hour": 10, "minute": 44}
